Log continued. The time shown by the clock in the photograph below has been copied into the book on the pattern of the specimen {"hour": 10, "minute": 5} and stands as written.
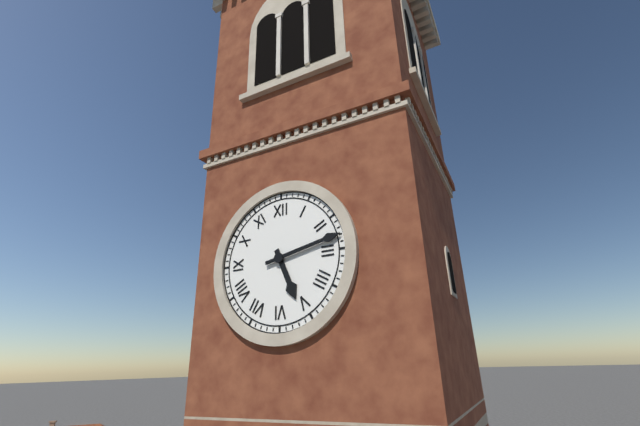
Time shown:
{"hour": 5, "minute": 13}
